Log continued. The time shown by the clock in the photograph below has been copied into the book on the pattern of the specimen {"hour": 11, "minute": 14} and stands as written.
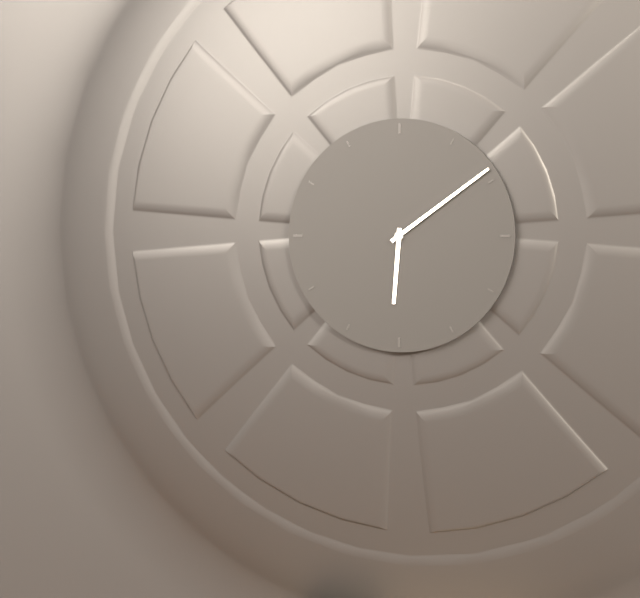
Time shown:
{"hour": 6, "minute": 9}
